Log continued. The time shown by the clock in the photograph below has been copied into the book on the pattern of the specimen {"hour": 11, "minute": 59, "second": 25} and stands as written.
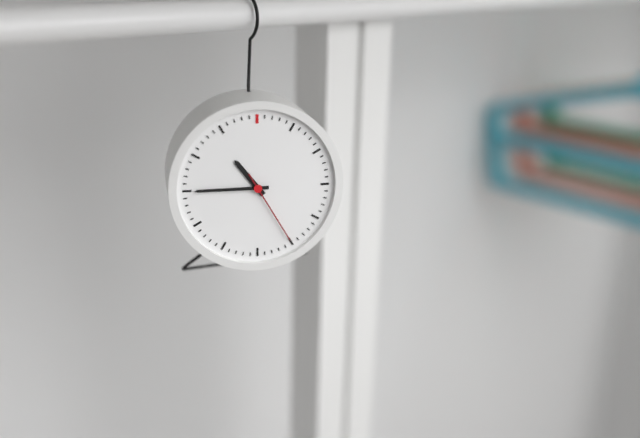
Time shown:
{"hour": 10, "minute": 45, "second": 25}
